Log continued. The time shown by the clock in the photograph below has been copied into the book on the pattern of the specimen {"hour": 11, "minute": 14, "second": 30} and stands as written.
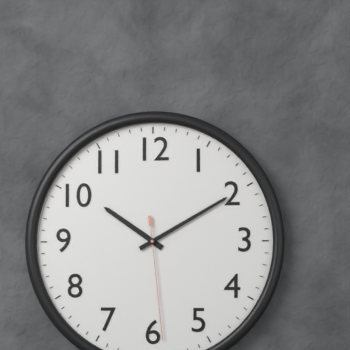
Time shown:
{"hour": 10, "minute": 10, "second": 29}
